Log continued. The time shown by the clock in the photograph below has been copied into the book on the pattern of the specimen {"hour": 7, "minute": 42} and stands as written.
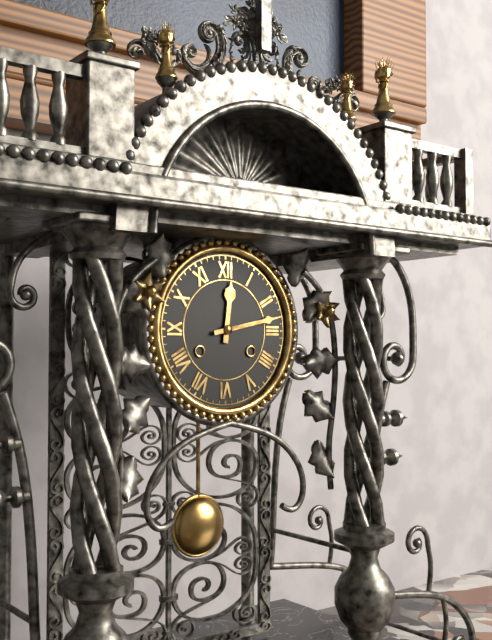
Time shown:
{"hour": 12, "minute": 13}
